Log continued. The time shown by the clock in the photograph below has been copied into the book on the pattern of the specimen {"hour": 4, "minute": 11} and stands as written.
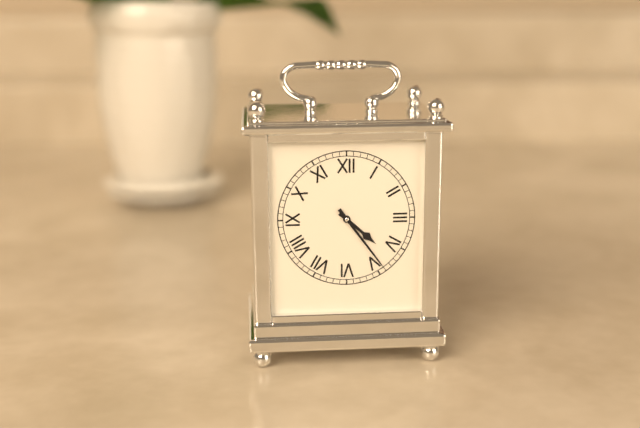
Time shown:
{"hour": 4, "minute": 24}
